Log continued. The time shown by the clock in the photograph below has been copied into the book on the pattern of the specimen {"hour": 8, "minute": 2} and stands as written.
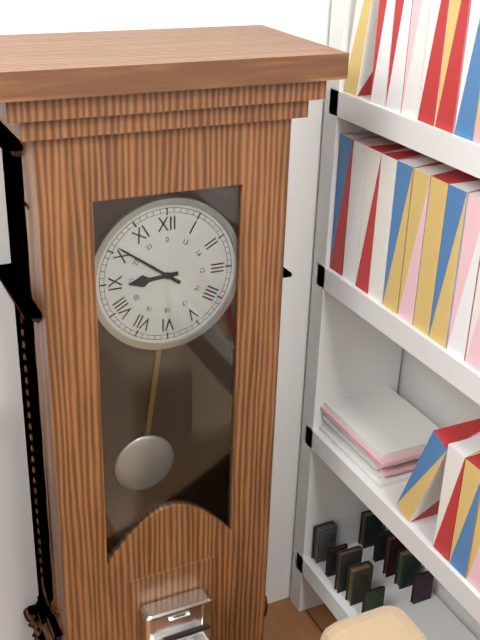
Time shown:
{"hour": 8, "minute": 51}
